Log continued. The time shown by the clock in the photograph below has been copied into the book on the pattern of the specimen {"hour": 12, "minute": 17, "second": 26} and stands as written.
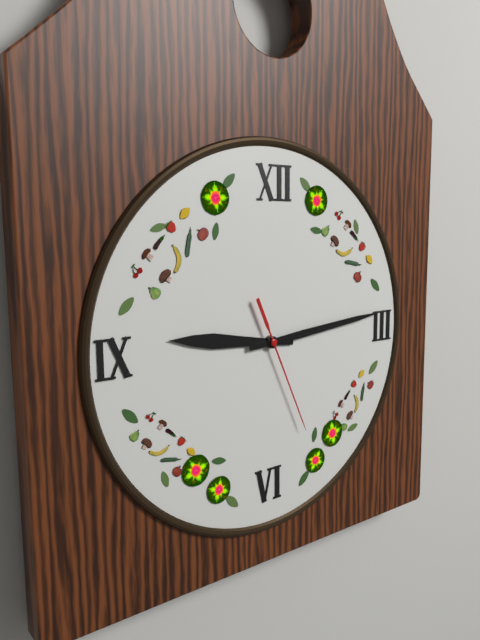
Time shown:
{"hour": 9, "minute": 14, "second": 26}
